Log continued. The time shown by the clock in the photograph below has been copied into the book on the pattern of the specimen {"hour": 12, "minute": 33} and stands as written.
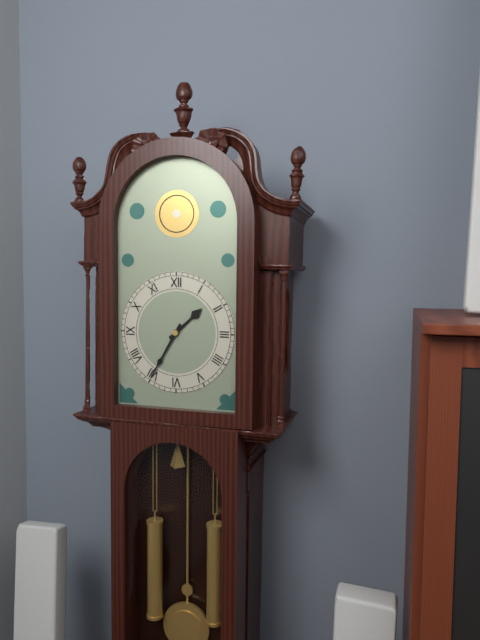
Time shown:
{"hour": 1, "minute": 35}
